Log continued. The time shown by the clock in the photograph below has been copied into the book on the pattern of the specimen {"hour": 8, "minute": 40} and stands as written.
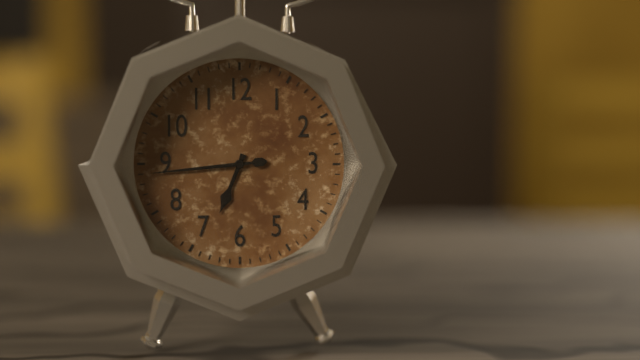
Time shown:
{"hour": 6, "minute": 44}
